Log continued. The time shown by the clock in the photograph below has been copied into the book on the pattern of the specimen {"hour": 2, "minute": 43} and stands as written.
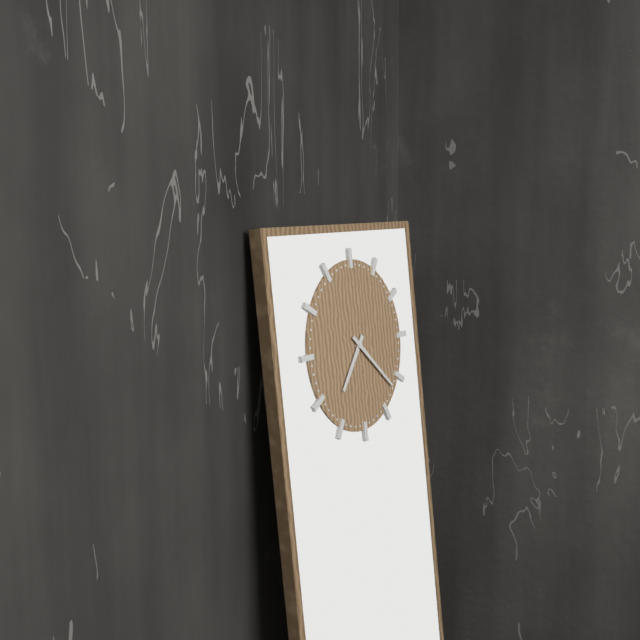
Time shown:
{"hour": 7, "minute": 22}
